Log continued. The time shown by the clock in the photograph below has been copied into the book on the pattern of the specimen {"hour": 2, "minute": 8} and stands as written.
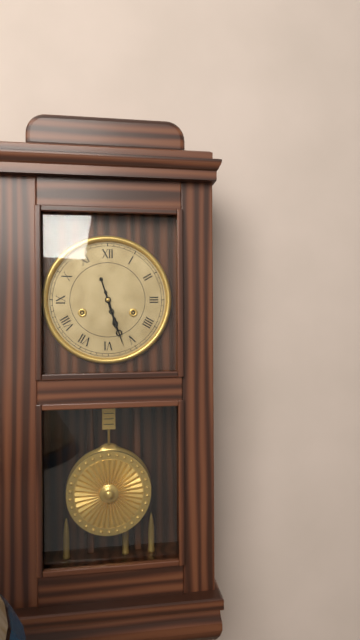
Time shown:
{"hour": 5, "minute": 27}
